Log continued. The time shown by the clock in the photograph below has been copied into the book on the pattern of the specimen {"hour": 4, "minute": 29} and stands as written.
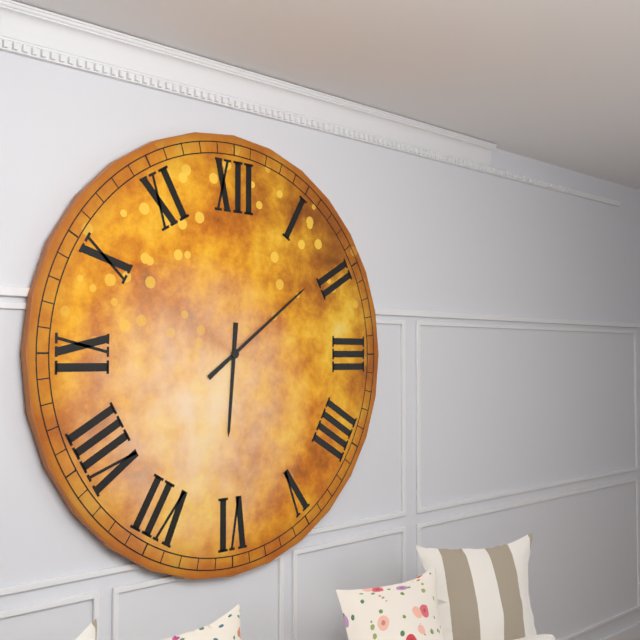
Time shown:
{"hour": 6, "minute": 9}
